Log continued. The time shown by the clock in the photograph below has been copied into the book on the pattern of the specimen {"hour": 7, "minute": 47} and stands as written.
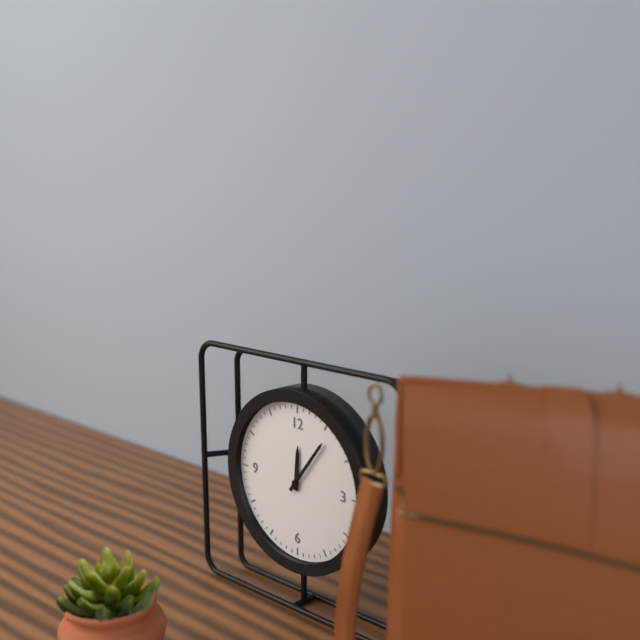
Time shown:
{"hour": 12, "minute": 6}
